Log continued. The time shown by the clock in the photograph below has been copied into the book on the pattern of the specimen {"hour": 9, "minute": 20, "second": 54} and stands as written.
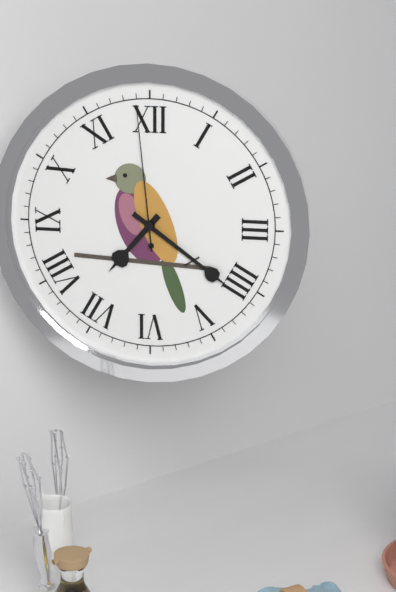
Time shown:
{"hour": 7, "minute": 21, "second": 59}
